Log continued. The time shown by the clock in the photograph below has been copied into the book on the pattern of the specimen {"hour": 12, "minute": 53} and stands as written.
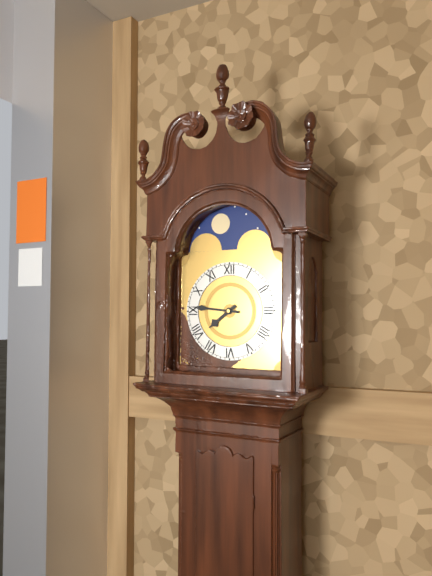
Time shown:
{"hour": 7, "minute": 46}
